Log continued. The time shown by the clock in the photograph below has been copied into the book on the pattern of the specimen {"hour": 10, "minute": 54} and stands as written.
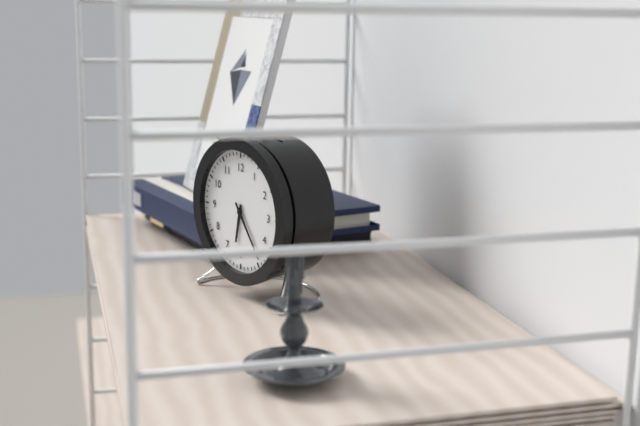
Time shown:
{"hour": 6, "minute": 24}
